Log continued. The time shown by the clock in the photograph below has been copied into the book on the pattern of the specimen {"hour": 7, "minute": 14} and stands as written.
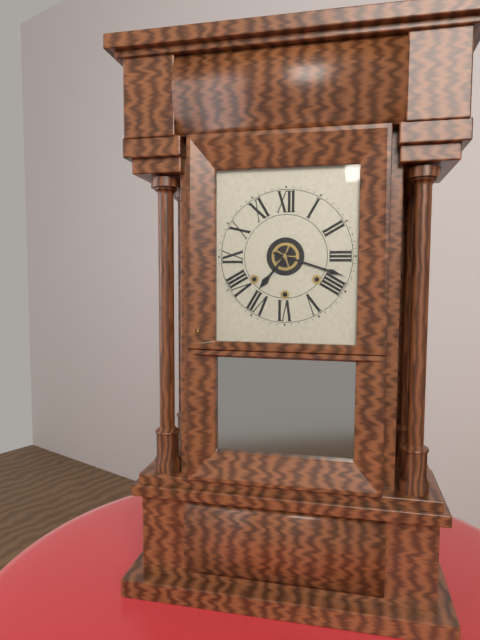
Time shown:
{"hour": 7, "minute": 18}
